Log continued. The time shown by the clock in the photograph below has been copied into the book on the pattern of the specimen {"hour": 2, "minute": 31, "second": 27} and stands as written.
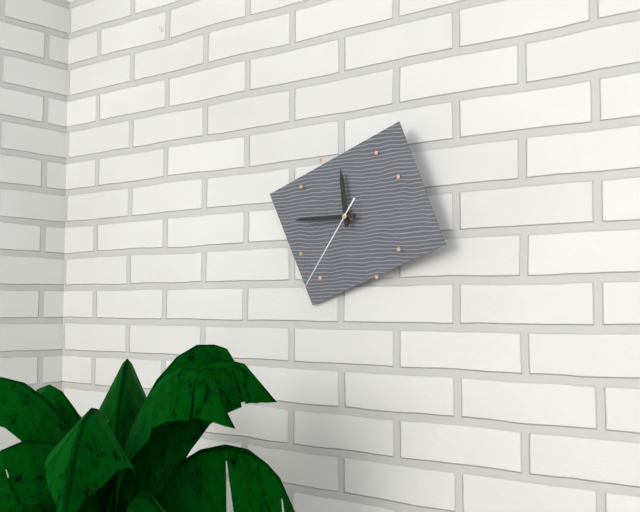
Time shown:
{"hour": 11, "minute": 45, "second": 36}
